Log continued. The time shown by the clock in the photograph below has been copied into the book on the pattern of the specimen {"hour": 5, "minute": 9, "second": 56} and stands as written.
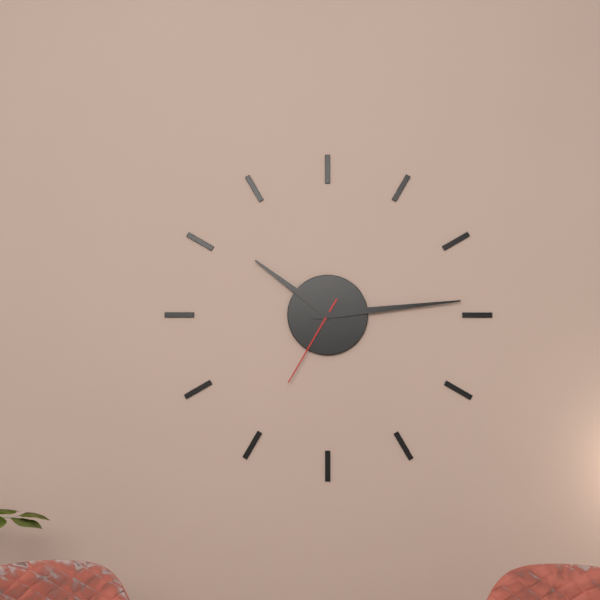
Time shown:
{"hour": 10, "minute": 14, "second": 35}
